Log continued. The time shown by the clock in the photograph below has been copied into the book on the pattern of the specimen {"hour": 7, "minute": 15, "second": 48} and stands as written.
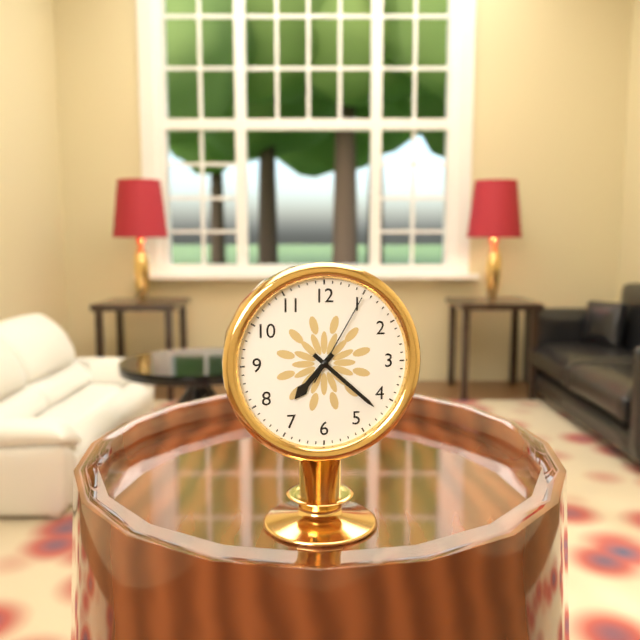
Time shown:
{"hour": 7, "minute": 22, "second": 5}
